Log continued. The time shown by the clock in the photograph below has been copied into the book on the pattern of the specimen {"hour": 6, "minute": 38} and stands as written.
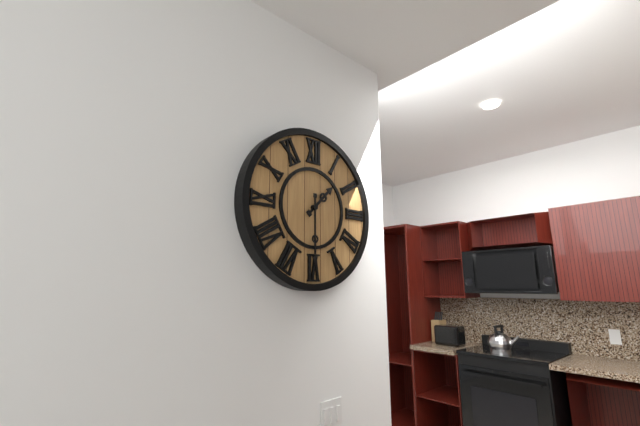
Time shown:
{"hour": 1, "minute": 30}
